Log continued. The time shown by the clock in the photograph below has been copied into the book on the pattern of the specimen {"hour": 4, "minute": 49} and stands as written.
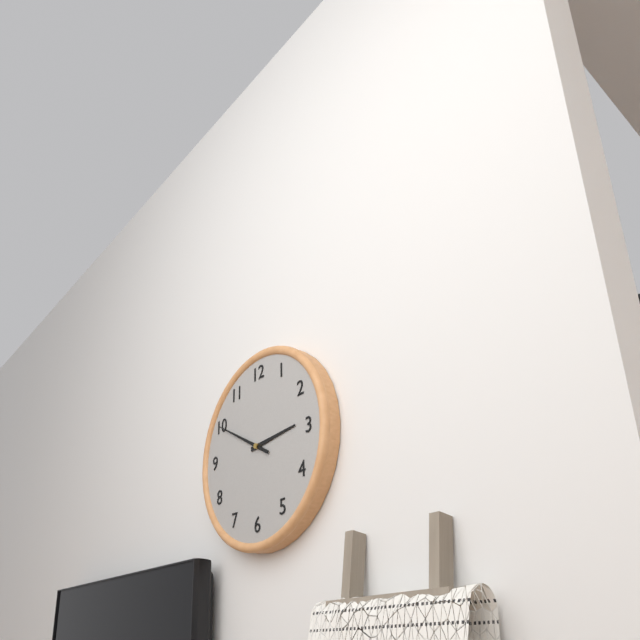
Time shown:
{"hour": 2, "minute": 50}
